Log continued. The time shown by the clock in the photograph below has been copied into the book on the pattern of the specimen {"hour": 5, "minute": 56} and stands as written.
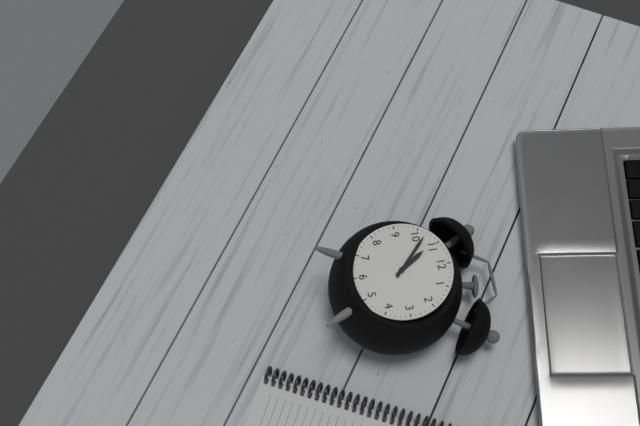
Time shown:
{"hour": 10, "minute": 52}
